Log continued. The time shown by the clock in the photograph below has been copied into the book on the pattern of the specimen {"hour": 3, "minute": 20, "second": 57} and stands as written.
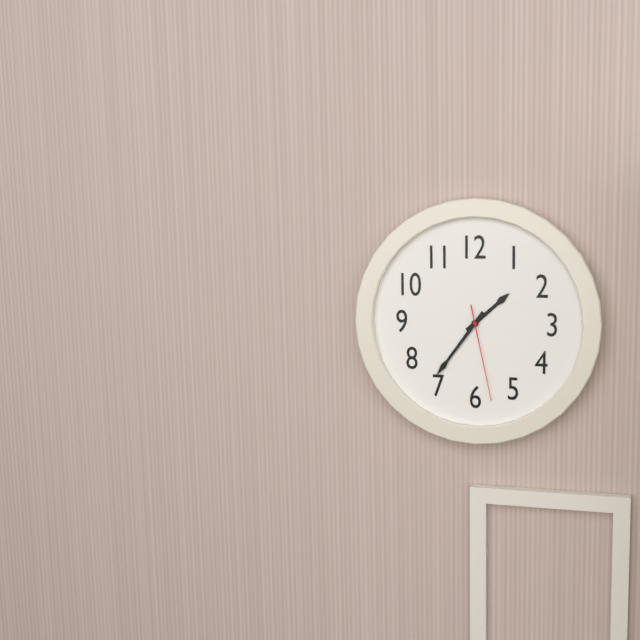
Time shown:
{"hour": 1, "minute": 36, "second": 28}
